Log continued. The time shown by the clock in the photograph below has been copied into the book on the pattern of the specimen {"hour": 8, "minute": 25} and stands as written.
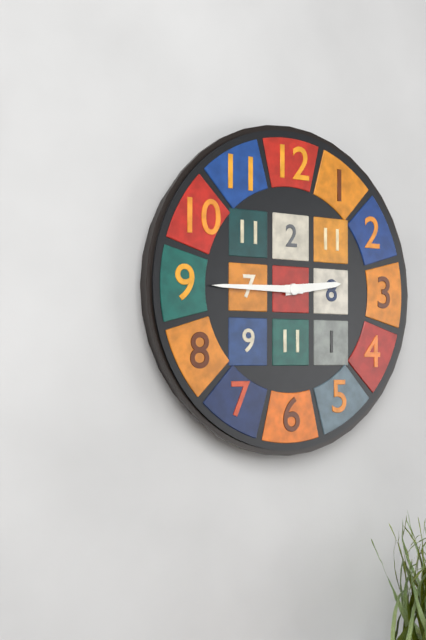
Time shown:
{"hour": 2, "minute": 45}
